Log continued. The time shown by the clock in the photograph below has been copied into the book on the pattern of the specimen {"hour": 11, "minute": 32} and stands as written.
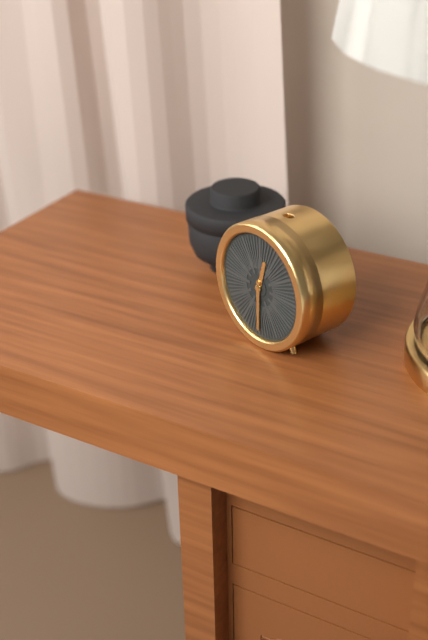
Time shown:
{"hour": 12, "minute": 30}
